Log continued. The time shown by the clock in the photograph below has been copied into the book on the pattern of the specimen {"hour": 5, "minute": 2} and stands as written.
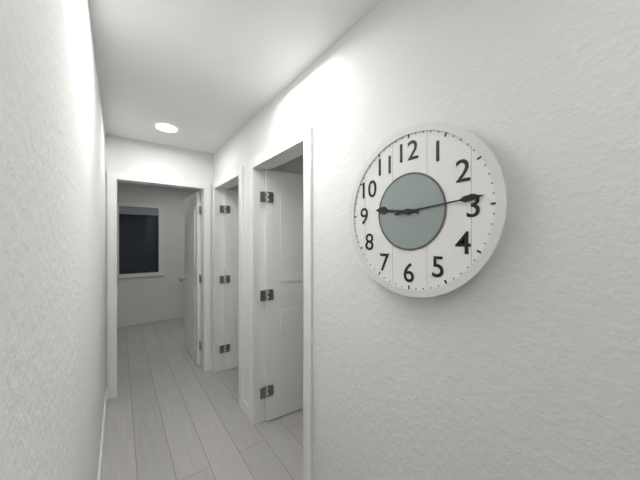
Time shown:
{"hour": 9, "minute": 14}
